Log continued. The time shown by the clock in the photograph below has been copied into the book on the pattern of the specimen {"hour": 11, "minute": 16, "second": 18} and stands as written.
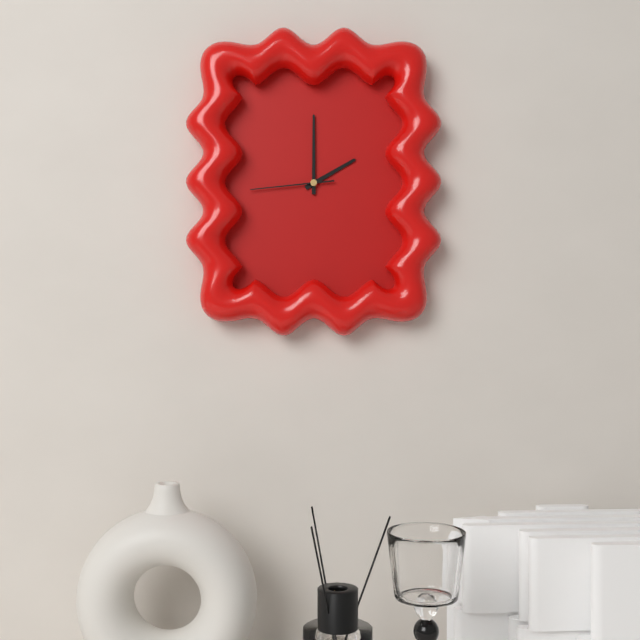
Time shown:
{"hour": 2, "minute": 0, "second": 44}
